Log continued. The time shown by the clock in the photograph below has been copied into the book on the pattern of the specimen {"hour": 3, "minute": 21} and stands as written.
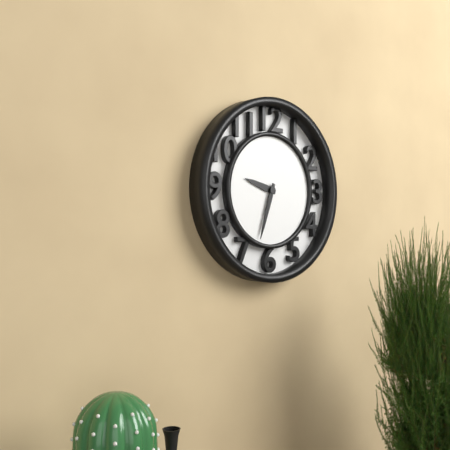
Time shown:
{"hour": 9, "minute": 33}
